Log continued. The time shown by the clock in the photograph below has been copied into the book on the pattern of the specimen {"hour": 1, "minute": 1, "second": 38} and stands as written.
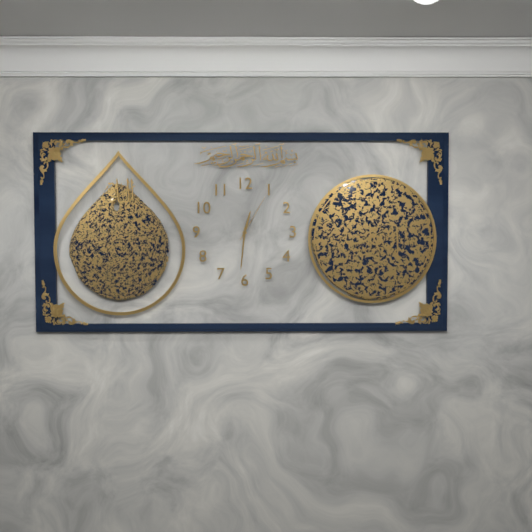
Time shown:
{"hour": 12, "minute": 31, "second": 5}
